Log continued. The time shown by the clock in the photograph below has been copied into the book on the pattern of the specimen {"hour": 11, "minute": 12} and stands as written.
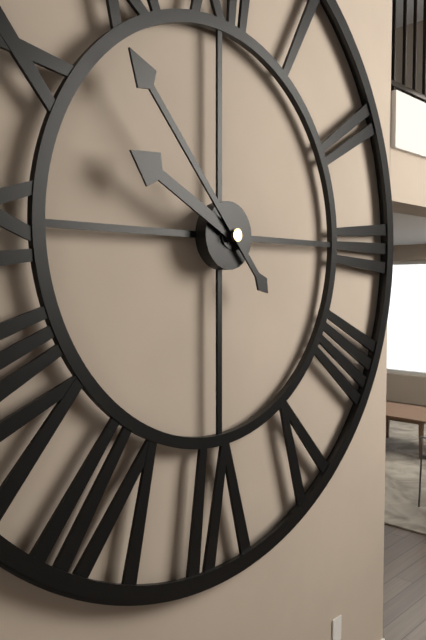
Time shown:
{"hour": 9, "minute": 53}
